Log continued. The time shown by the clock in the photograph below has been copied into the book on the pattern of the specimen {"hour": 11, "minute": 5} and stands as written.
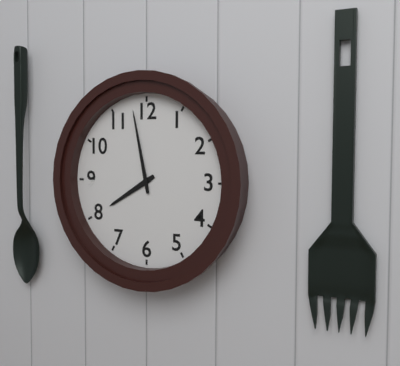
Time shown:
{"hour": 7, "minute": 58}
